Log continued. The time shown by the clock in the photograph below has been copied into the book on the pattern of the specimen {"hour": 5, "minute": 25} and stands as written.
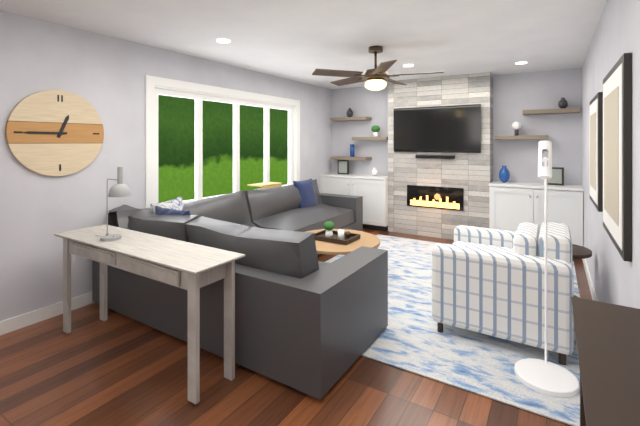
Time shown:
{"hour": 12, "minute": 45}
